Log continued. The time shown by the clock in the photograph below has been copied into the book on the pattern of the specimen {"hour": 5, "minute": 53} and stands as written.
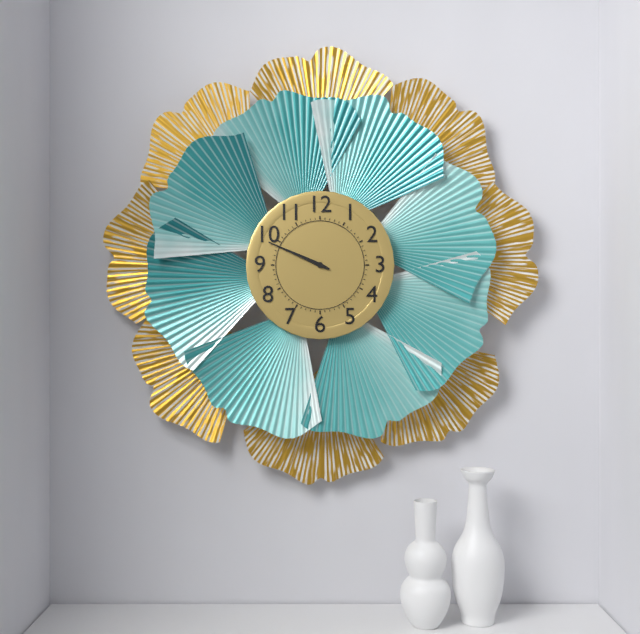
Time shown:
{"hour": 9, "minute": 49}
